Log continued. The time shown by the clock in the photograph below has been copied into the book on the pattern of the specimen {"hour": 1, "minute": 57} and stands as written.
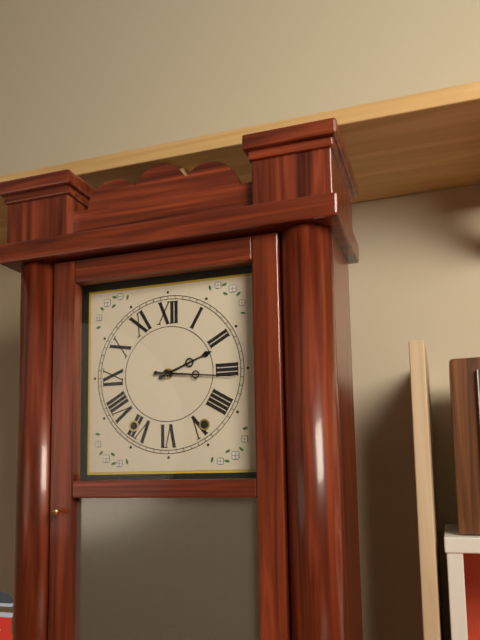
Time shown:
{"hour": 2, "minute": 16}
